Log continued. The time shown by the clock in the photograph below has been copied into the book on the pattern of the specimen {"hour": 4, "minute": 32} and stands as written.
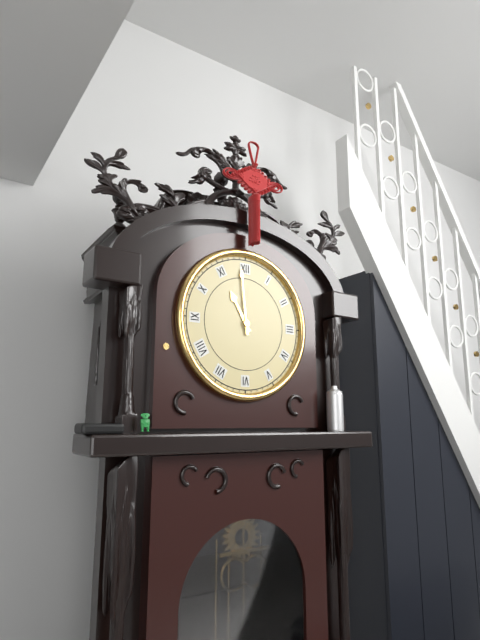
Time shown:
{"hour": 10, "minute": 59}
